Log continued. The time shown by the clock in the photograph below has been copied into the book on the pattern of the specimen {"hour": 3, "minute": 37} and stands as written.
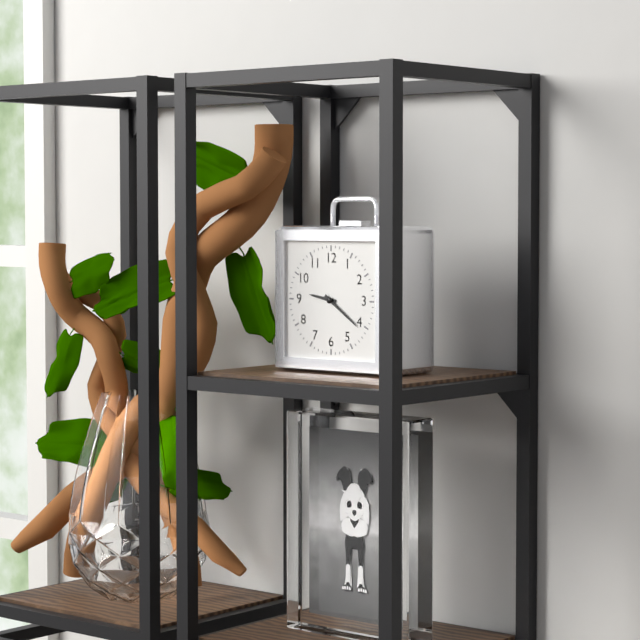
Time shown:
{"hour": 9, "minute": 21}
